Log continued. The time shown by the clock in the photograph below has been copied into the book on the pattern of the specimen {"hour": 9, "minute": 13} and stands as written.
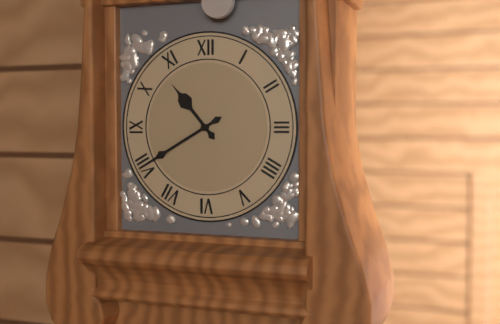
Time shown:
{"hour": 10, "minute": 40}
